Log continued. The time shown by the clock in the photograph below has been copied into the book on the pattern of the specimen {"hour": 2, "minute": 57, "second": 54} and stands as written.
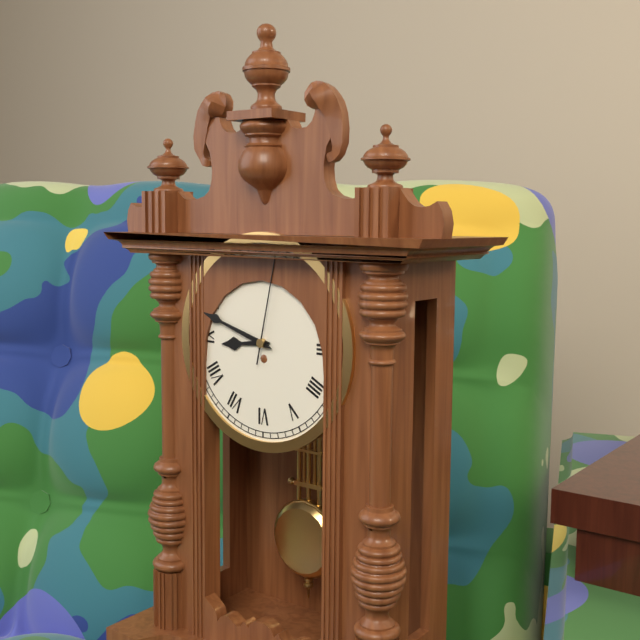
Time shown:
{"hour": 8, "minute": 48, "second": 2}
